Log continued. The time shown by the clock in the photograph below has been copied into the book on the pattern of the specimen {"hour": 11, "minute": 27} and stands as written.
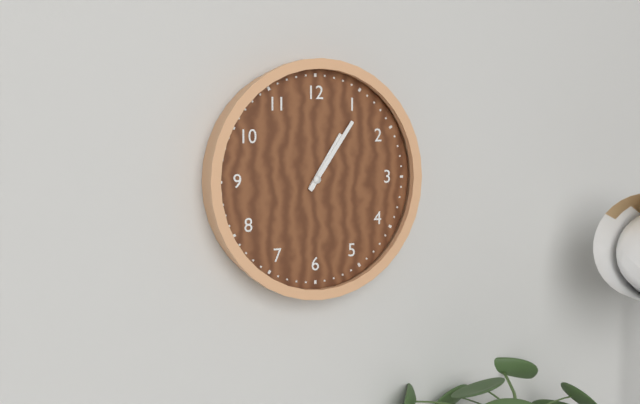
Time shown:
{"hour": 1, "minute": 6}
